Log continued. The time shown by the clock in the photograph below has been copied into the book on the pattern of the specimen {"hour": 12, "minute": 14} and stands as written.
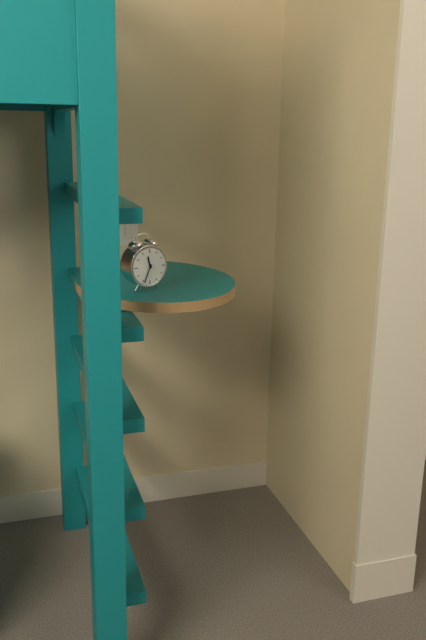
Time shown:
{"hour": 11, "minute": 34}
